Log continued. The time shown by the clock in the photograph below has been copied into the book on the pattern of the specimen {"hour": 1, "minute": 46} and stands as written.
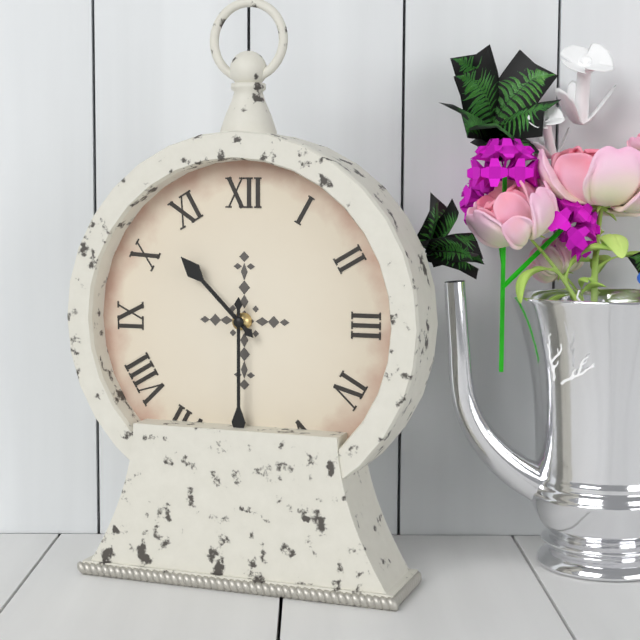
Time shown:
{"hour": 10, "minute": 30}
